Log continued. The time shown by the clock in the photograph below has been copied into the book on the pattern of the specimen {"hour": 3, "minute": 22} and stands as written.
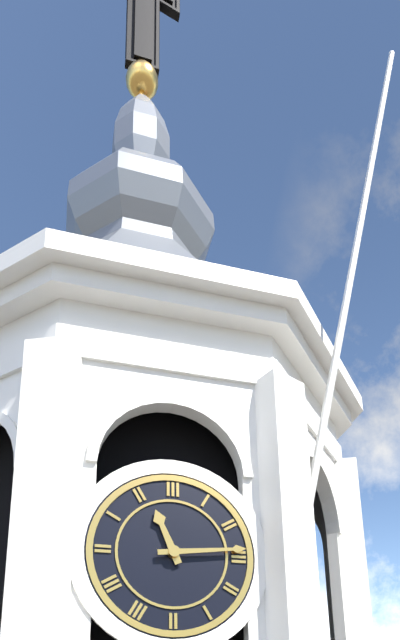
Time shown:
{"hour": 11, "minute": 14}
